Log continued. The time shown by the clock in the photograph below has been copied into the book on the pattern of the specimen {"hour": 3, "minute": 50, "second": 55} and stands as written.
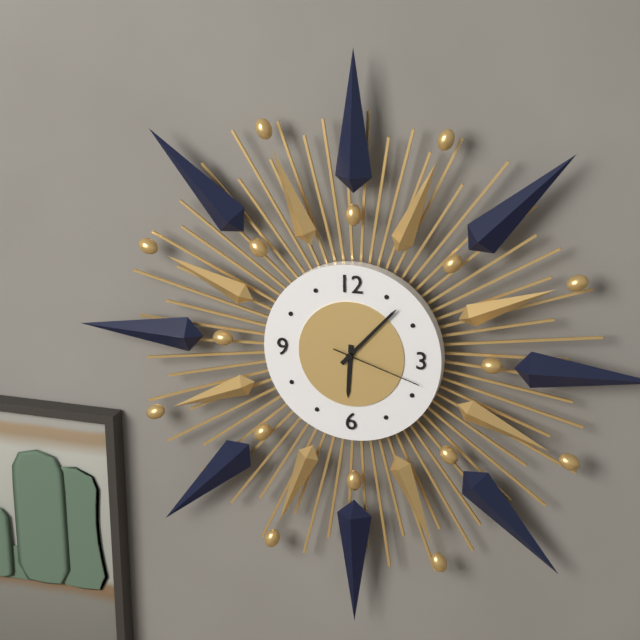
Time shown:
{"hour": 6, "minute": 7, "second": 18}
